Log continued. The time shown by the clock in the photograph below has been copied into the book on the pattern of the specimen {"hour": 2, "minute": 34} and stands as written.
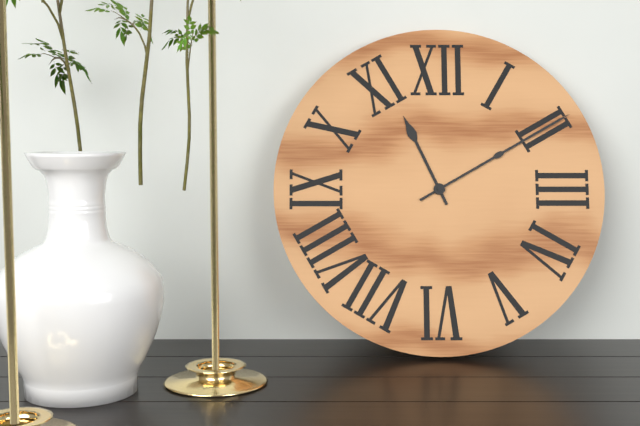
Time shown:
{"hour": 11, "minute": 10}
